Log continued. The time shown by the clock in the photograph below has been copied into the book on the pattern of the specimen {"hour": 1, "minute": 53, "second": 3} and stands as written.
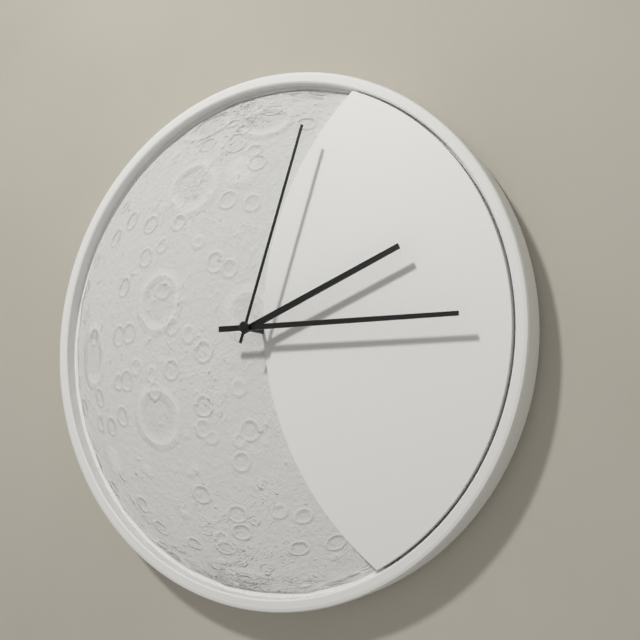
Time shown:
{"hour": 2, "minute": 15, "second": 3}
